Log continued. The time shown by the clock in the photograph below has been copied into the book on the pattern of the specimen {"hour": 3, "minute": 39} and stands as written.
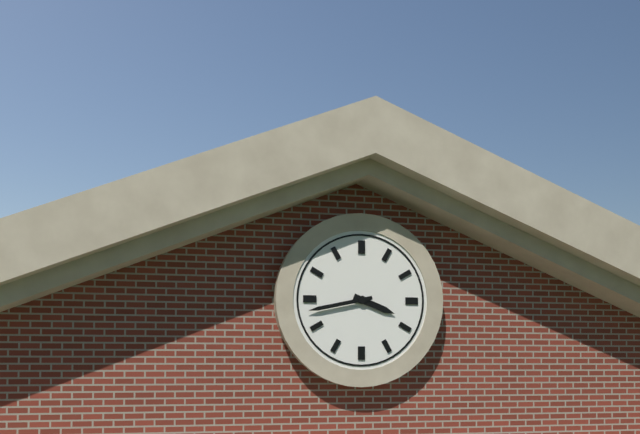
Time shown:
{"hour": 3, "minute": 43}
